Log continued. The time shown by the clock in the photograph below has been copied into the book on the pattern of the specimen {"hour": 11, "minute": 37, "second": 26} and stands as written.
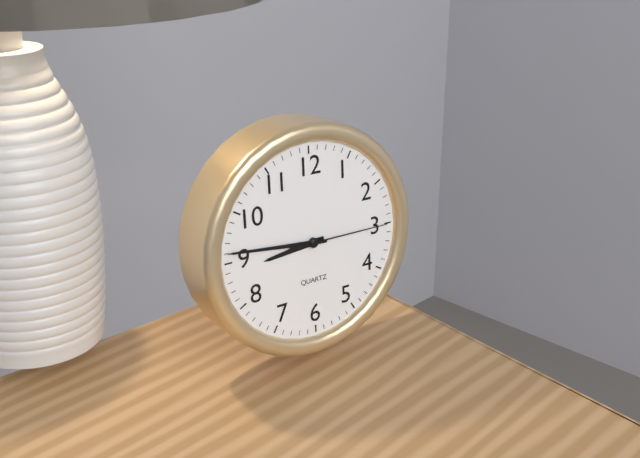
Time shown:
{"hour": 8, "minute": 46, "second": 15}
